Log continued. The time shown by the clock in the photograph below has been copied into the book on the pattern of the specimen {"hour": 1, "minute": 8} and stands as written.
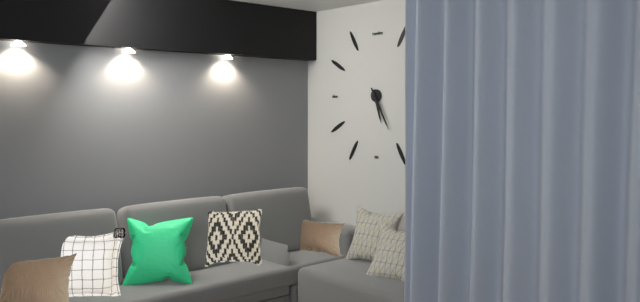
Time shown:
{"hour": 5, "minute": 25}
